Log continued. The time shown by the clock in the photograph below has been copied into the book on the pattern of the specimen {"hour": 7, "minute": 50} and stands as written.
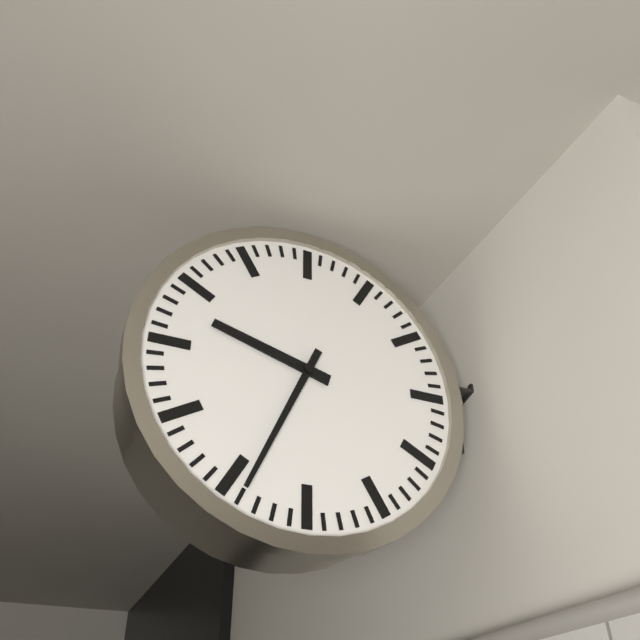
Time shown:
{"hour": 9, "minute": 34}
